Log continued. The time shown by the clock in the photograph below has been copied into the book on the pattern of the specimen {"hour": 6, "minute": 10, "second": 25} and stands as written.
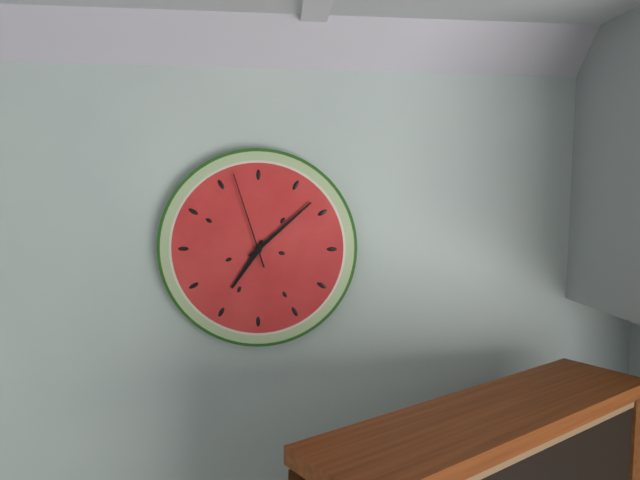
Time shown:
{"hour": 7, "minute": 8, "second": 57}
